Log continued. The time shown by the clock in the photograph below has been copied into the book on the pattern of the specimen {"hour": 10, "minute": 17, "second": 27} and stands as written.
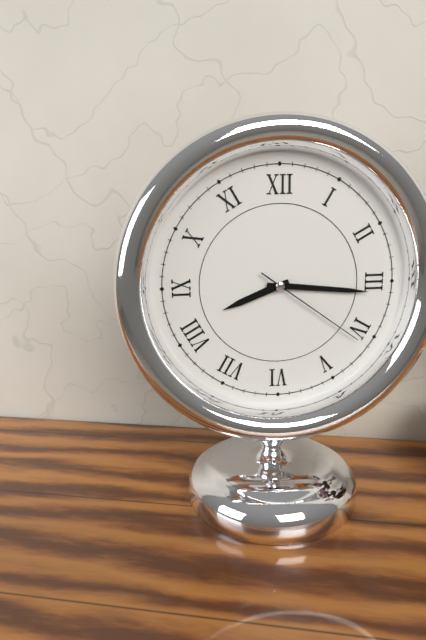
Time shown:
{"hour": 8, "minute": 16, "second": 21}
